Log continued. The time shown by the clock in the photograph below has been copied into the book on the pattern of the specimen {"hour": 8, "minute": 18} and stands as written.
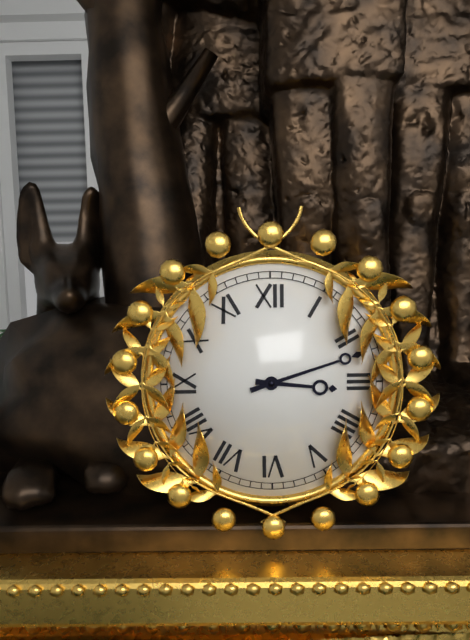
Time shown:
{"hour": 3, "minute": 12}
